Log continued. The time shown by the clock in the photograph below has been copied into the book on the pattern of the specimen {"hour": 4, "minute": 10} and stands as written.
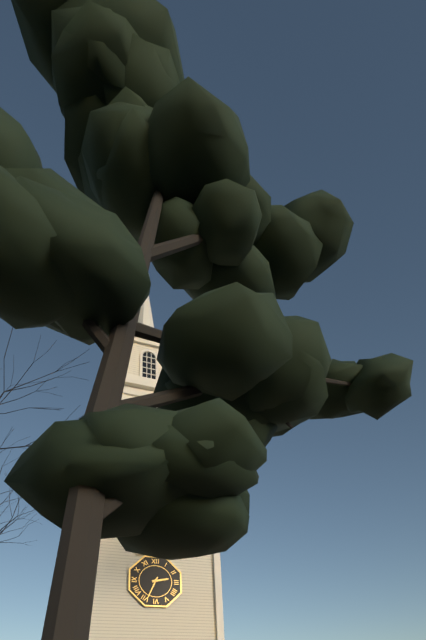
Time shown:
{"hour": 2, "minute": 34}
